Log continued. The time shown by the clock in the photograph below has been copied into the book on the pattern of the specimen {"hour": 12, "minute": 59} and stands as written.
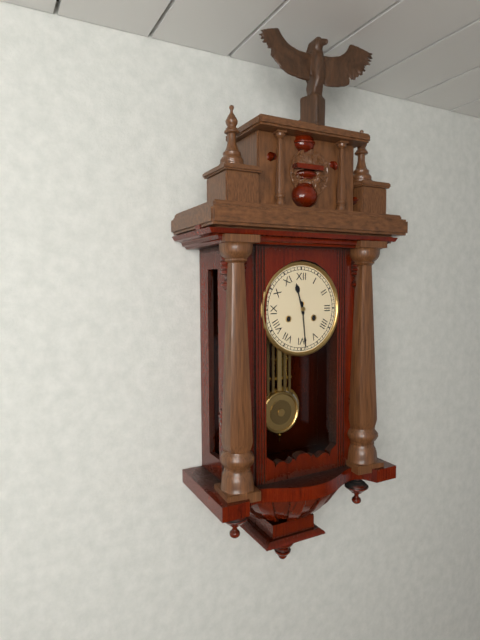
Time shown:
{"hour": 11, "minute": 29}
